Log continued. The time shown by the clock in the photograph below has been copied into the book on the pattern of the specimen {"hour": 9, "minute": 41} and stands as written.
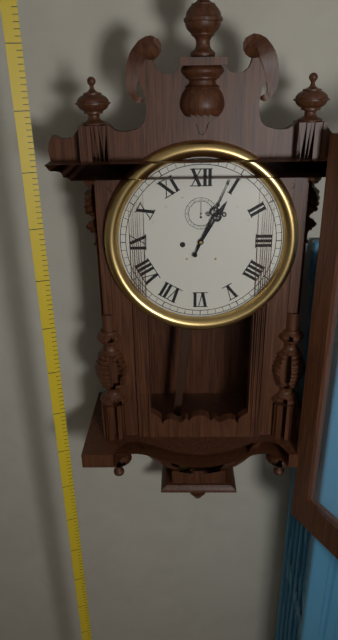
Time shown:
{"hour": 1, "minute": 4}
